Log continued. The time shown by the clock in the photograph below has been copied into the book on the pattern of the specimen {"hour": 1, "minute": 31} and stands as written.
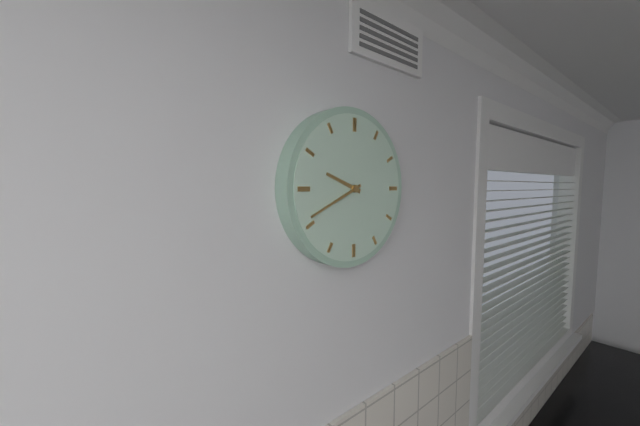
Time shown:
{"hour": 9, "minute": 41}
